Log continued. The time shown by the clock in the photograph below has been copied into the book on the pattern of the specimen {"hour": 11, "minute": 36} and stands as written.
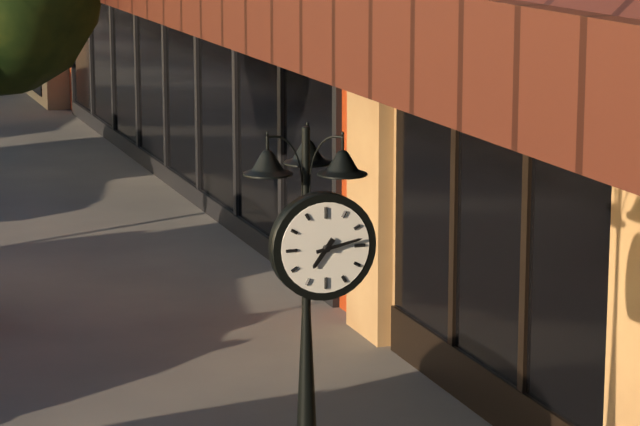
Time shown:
{"hour": 7, "minute": 13}
